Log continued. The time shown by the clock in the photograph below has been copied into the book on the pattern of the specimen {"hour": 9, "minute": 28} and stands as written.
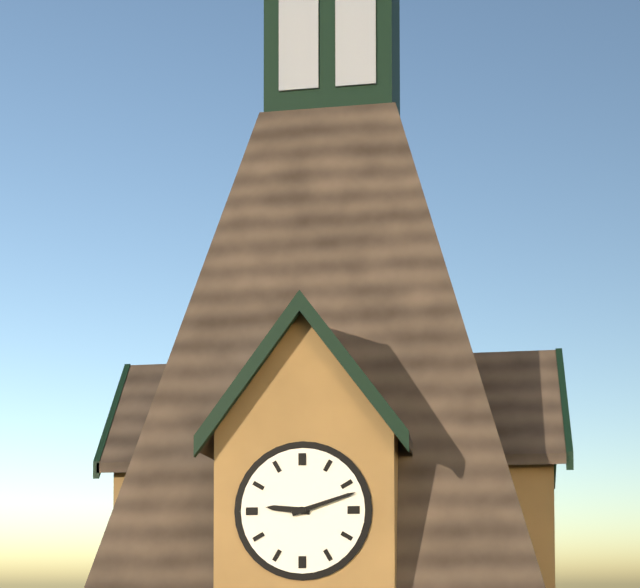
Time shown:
{"hour": 9, "minute": 12}
